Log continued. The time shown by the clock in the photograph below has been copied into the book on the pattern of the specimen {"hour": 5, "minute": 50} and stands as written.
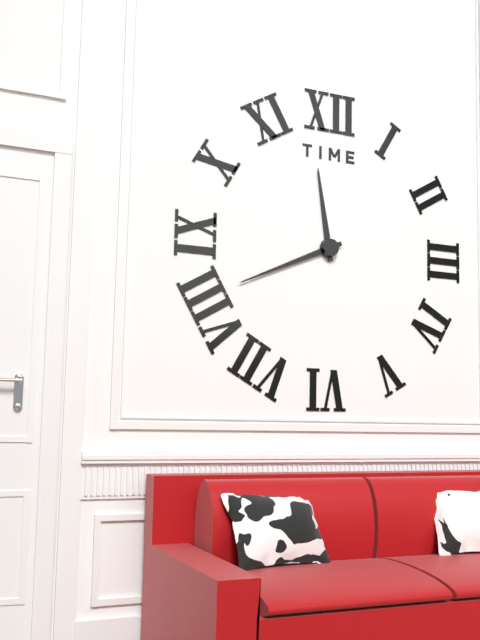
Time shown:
{"hour": 11, "minute": 41}
